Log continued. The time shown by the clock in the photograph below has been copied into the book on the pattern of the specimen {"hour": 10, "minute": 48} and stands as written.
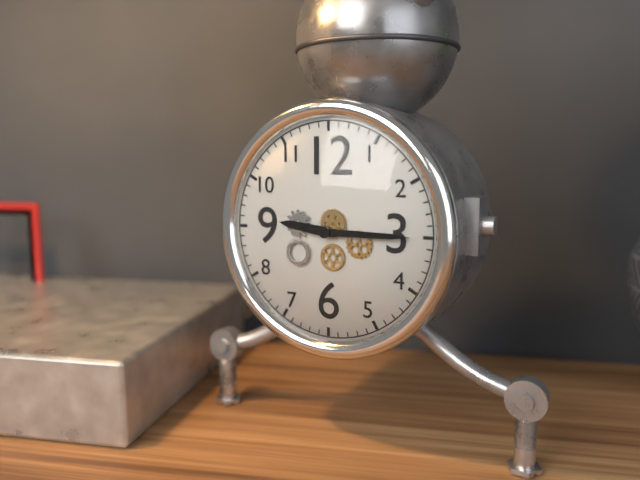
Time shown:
{"hour": 9, "minute": 15}
